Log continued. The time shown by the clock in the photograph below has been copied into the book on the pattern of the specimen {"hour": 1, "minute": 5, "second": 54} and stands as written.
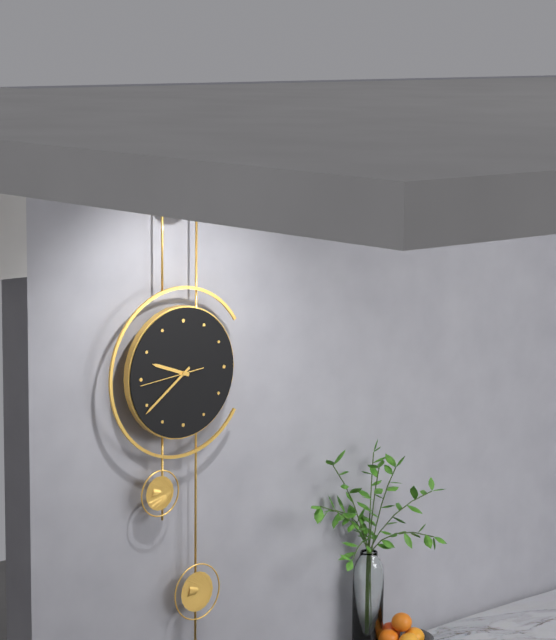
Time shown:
{"hour": 9, "minute": 39, "second": 44}
